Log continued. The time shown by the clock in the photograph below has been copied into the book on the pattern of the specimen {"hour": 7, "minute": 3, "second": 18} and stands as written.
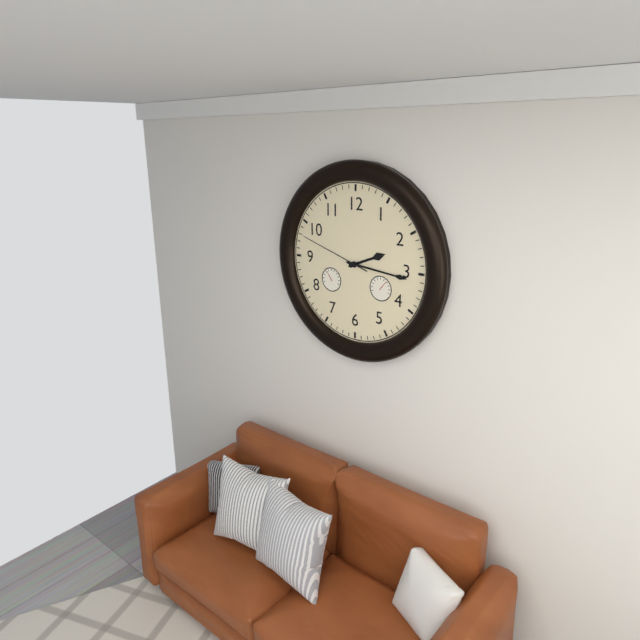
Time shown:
{"hour": 2, "minute": 16, "second": 48}
